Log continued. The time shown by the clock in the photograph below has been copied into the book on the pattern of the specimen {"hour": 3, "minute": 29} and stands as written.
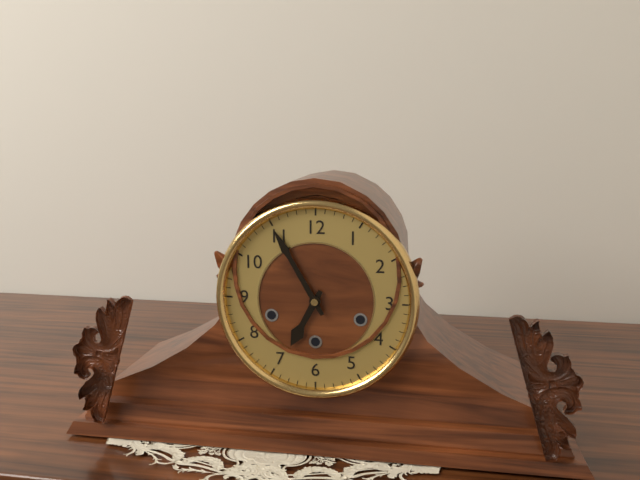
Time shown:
{"hour": 6, "minute": 55}
